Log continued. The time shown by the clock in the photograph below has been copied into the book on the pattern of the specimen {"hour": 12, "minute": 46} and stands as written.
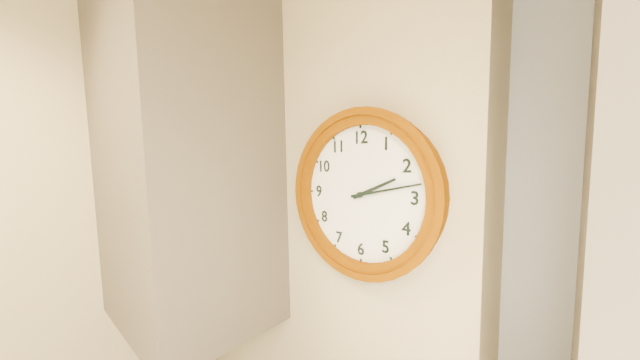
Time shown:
{"hour": 2, "minute": 13}
